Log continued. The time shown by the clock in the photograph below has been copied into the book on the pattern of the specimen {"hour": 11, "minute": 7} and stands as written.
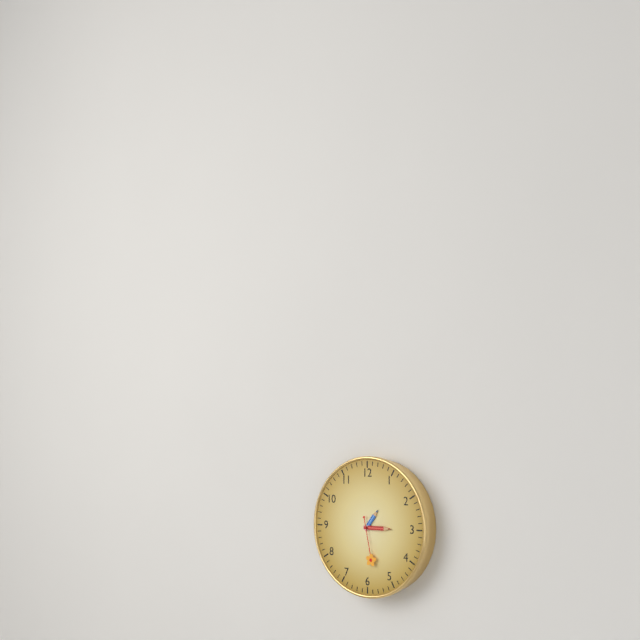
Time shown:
{"hour": 1, "minute": 15}
